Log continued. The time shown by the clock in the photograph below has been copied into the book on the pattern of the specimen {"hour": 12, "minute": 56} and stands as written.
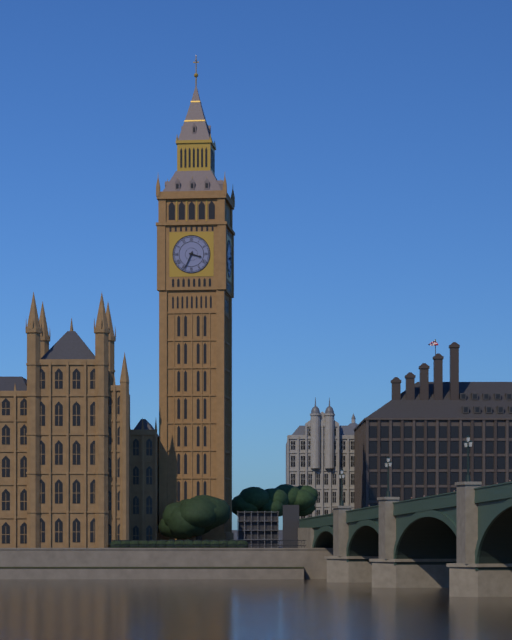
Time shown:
{"hour": 3, "minute": 34}
